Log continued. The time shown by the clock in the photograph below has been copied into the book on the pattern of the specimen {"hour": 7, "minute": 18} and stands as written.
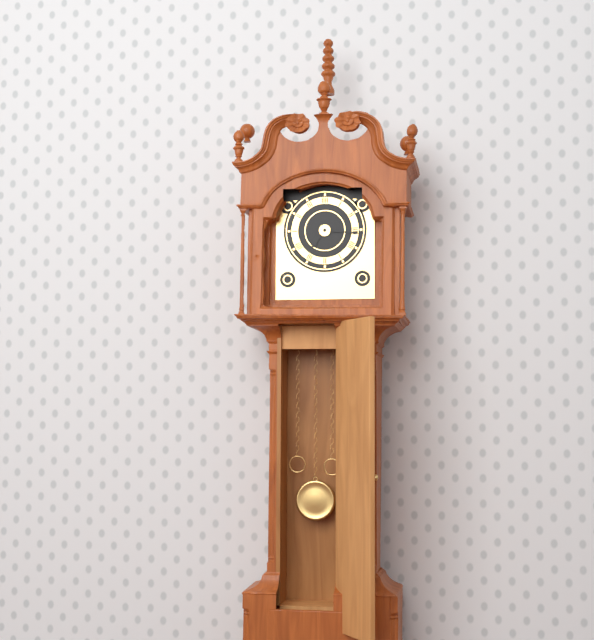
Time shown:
{"hour": 7, "minute": 16}
